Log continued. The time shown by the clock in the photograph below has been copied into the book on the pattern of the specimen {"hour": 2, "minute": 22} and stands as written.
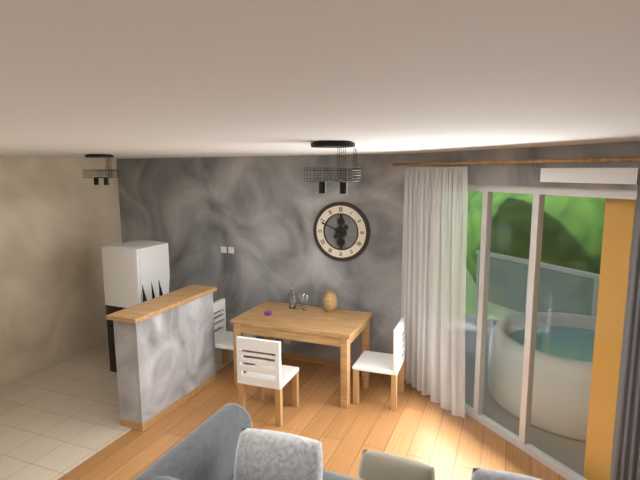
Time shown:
{"hour": 5, "minute": 49}
